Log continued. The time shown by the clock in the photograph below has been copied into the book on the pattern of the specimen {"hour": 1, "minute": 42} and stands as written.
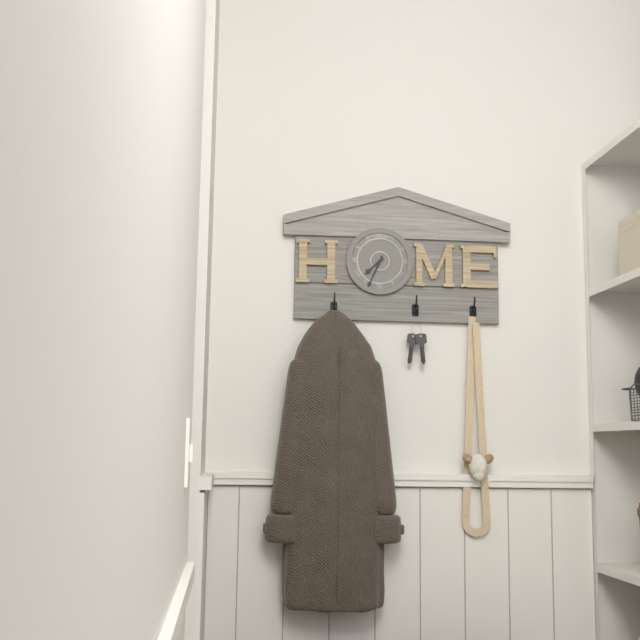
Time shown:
{"hour": 7, "minute": 34}
